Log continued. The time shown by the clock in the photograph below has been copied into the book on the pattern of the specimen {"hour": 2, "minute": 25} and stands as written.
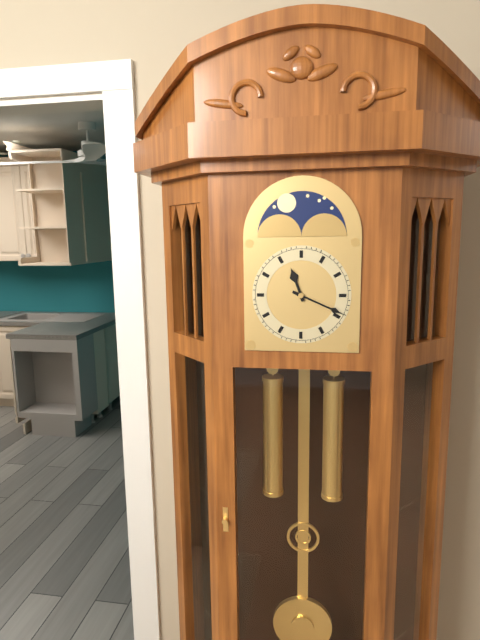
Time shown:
{"hour": 11, "minute": 19}
